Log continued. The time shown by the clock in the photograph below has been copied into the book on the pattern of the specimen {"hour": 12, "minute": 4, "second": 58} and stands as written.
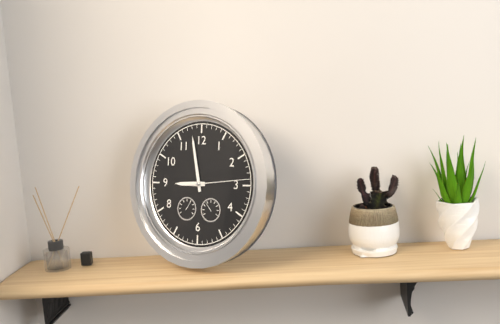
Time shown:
{"hour": 8, "minute": 58, "second": 14}
